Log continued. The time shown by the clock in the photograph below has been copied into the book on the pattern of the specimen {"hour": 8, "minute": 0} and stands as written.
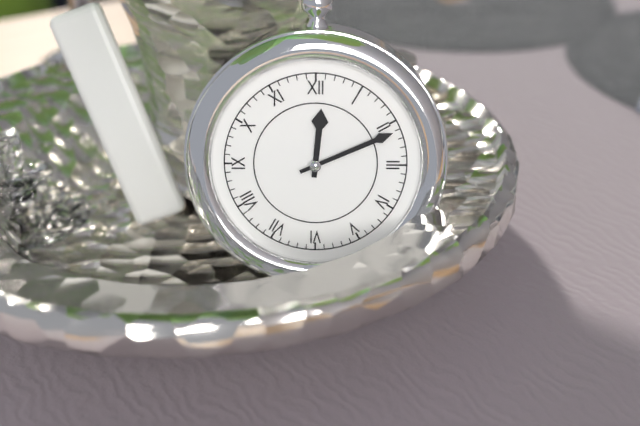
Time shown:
{"hour": 12, "minute": 11}
